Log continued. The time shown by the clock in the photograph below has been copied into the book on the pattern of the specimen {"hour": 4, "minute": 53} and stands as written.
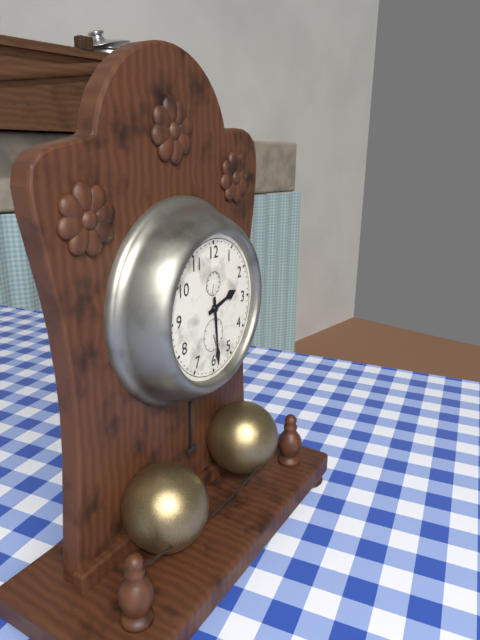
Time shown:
{"hour": 2, "minute": 29}
